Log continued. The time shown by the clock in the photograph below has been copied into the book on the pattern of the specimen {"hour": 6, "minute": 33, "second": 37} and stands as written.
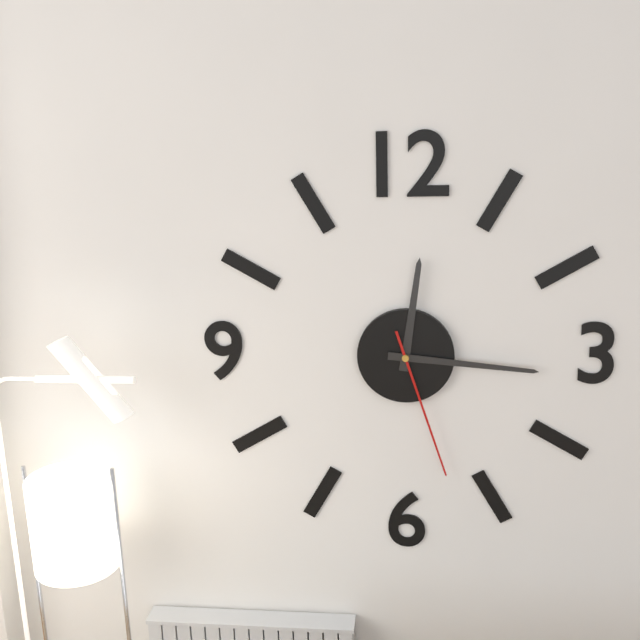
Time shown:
{"hour": 12, "minute": 16, "second": 27}
